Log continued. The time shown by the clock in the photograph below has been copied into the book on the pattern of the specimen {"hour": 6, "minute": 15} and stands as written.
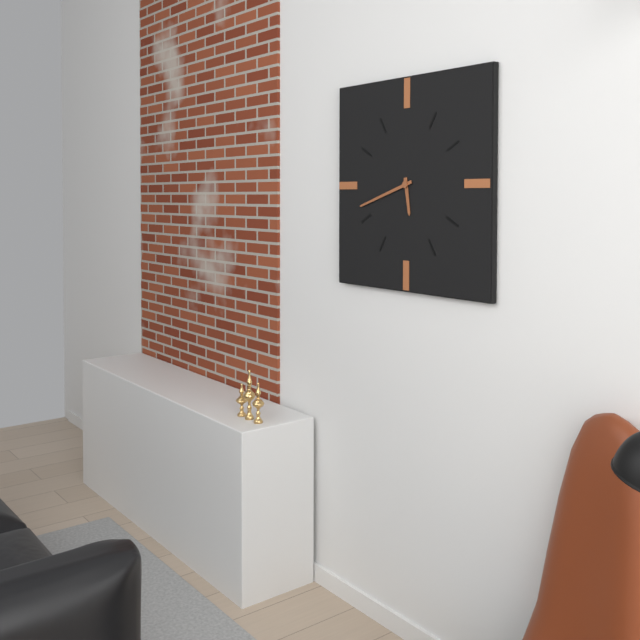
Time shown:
{"hour": 5, "minute": 42}
